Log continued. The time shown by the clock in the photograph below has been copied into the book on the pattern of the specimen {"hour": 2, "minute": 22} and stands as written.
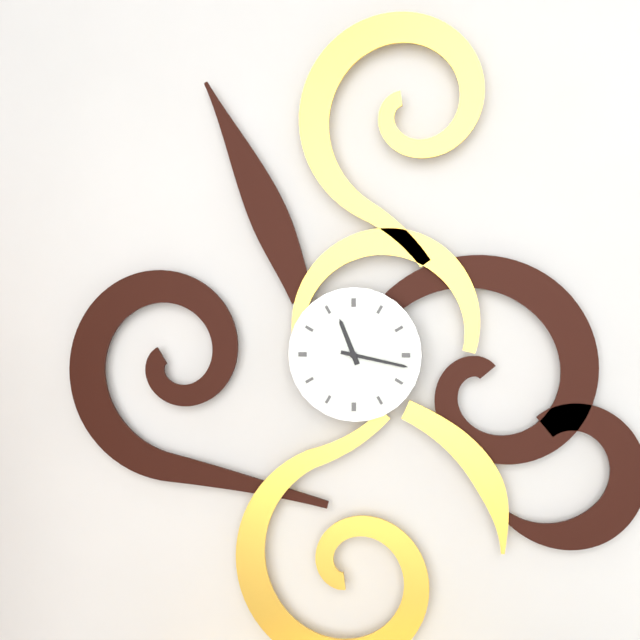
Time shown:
{"hour": 11, "minute": 17}
